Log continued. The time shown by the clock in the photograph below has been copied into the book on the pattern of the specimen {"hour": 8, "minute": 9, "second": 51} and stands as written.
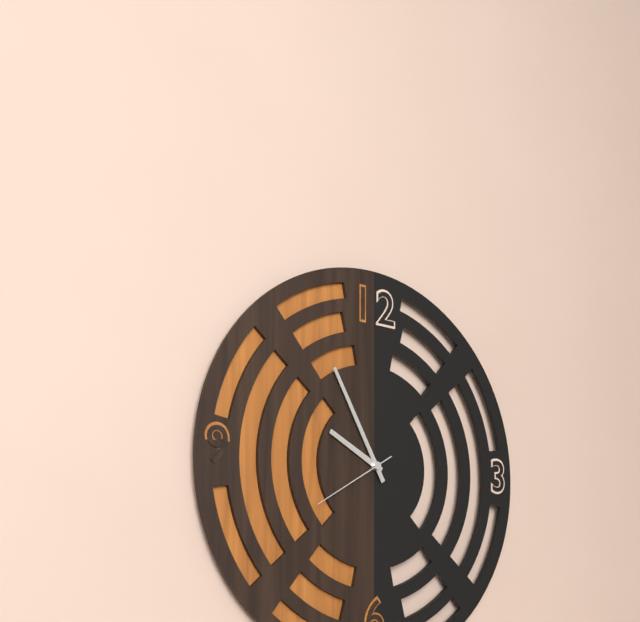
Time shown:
{"hour": 9, "minute": 55, "second": 40}
